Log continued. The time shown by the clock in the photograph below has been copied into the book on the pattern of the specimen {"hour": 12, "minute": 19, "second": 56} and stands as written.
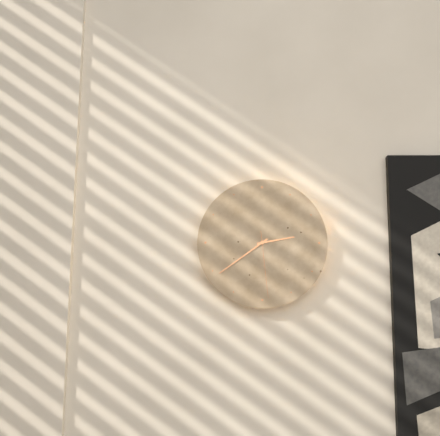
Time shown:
{"hour": 2, "minute": 39, "second": 29}
